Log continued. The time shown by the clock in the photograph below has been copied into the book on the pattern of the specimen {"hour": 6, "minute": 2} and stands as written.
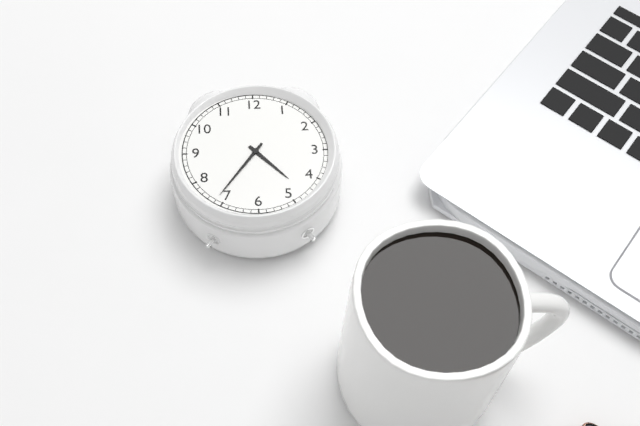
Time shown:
{"hour": 4, "minute": 36}
